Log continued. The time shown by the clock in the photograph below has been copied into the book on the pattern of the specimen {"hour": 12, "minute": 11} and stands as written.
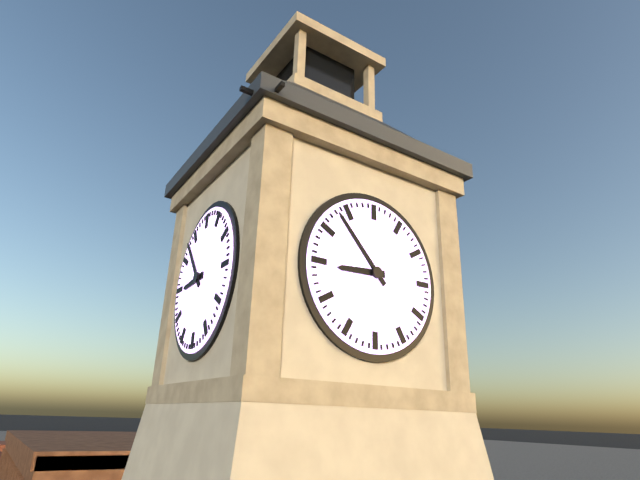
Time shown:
{"hour": 8, "minute": 53}
